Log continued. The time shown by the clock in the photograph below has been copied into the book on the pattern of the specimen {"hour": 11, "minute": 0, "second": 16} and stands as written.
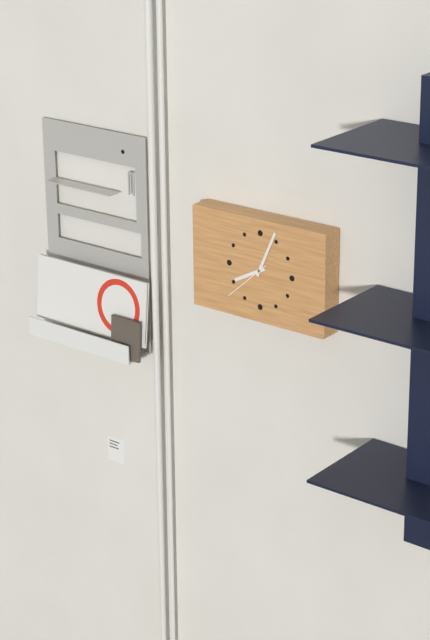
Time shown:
{"hour": 8, "minute": 4, "second": 38}
